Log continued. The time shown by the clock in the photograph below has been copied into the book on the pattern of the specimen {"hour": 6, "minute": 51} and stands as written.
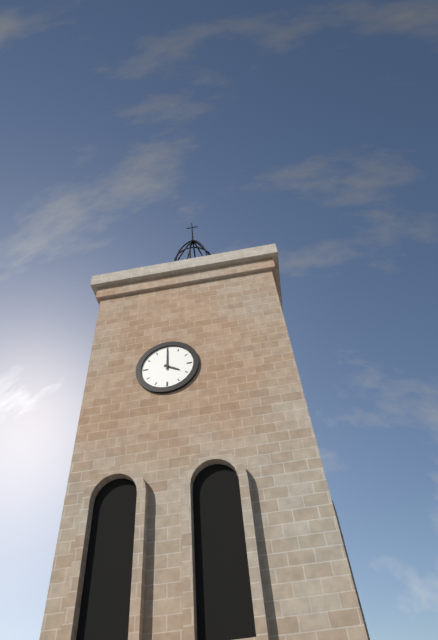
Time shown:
{"hour": 4, "minute": 0}
